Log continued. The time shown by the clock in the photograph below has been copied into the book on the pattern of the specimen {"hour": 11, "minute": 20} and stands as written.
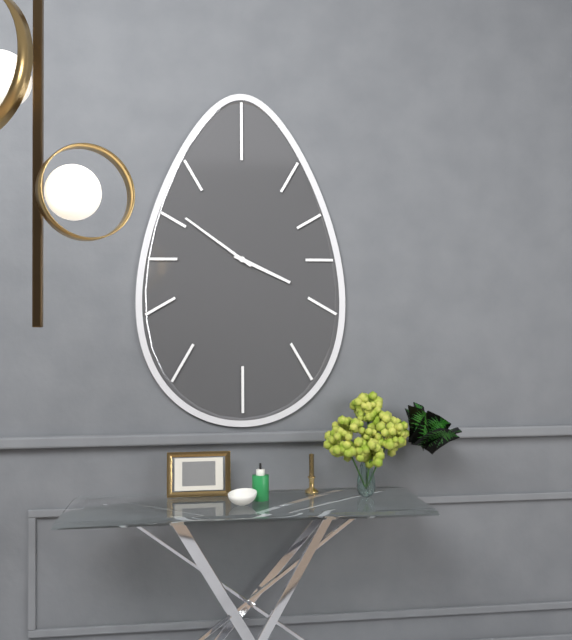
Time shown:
{"hour": 3, "minute": 51}
